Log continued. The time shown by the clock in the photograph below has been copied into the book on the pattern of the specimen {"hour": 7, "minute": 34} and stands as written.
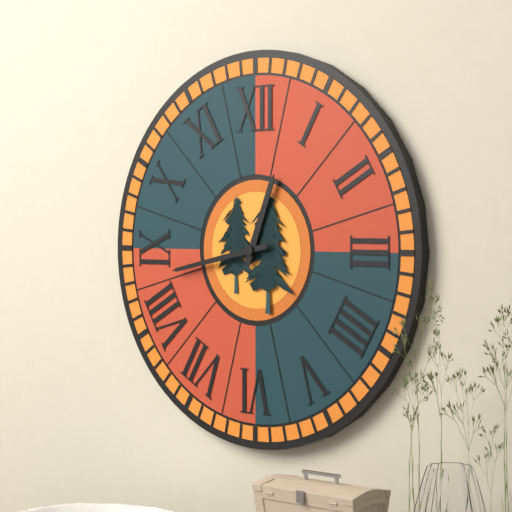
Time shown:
{"hour": 12, "minute": 43}
